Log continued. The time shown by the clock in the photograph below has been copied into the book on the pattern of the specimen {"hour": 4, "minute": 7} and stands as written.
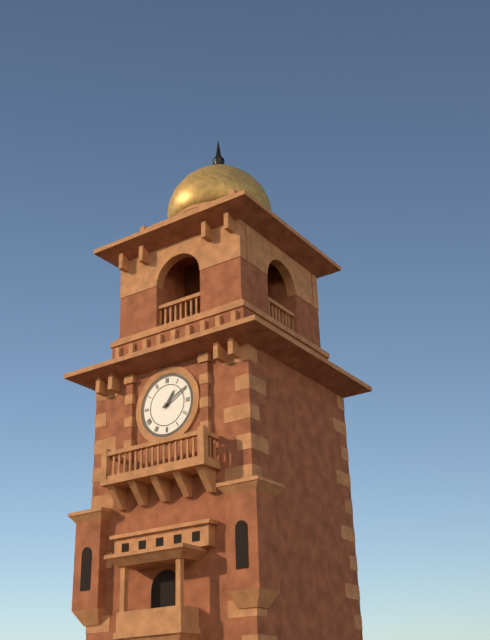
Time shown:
{"hour": 1, "minute": 10}
